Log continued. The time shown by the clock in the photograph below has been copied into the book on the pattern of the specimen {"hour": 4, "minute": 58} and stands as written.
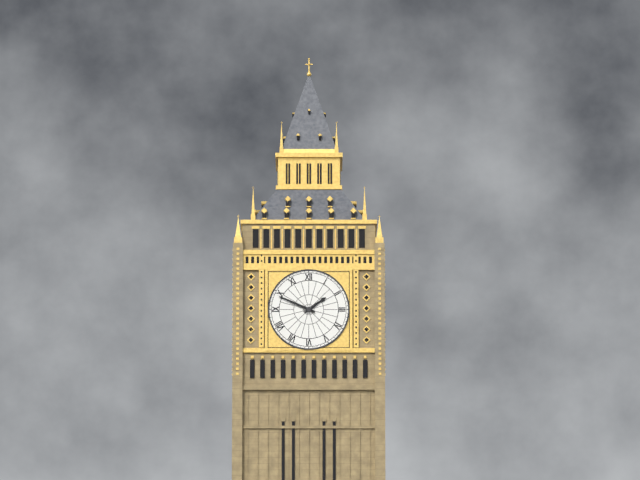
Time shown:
{"hour": 1, "minute": 49}
